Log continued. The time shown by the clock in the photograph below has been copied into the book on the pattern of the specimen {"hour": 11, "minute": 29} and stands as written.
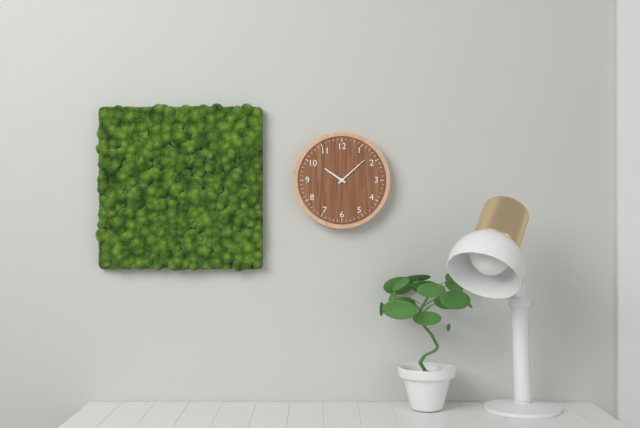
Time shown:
{"hour": 10, "minute": 8}
